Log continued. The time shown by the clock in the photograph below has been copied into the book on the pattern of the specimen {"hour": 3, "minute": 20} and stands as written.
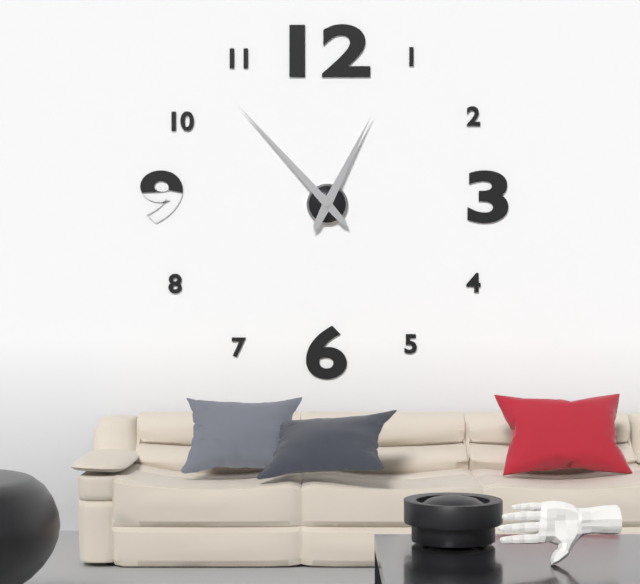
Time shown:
{"hour": 12, "minute": 53}
